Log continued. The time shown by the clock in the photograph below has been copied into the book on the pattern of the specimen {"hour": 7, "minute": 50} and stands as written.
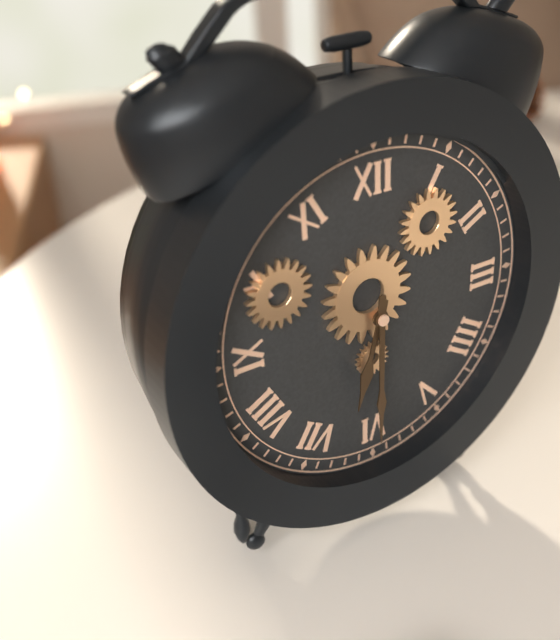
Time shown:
{"hour": 6, "minute": 30}
